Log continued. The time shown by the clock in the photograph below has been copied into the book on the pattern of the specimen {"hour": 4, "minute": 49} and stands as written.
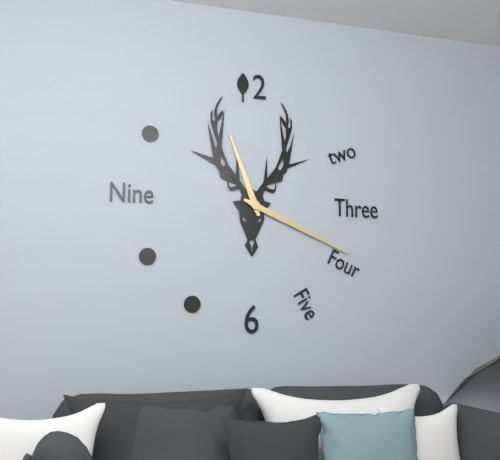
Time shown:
{"hour": 11, "minute": 19}
